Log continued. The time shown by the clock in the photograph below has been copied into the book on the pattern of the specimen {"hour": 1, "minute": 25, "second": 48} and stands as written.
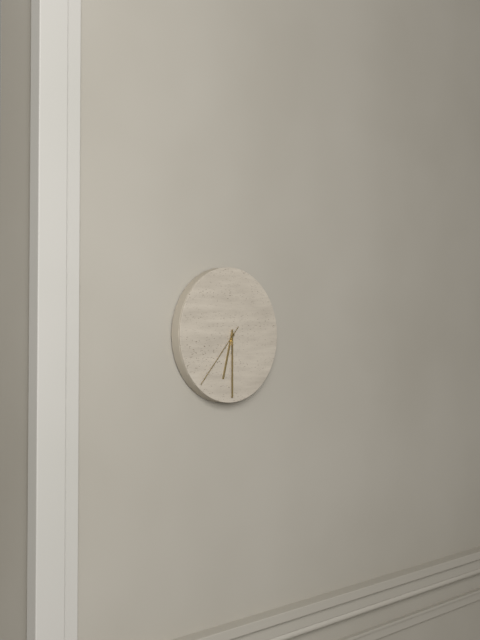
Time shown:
{"hour": 6, "minute": 30, "second": 37}
